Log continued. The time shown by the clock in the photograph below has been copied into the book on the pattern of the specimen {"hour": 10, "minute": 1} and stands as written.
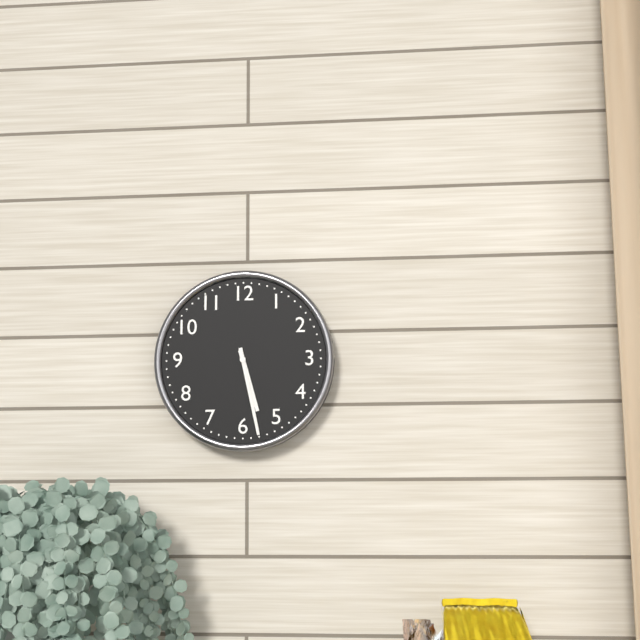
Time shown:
{"hour": 5, "minute": 28}
